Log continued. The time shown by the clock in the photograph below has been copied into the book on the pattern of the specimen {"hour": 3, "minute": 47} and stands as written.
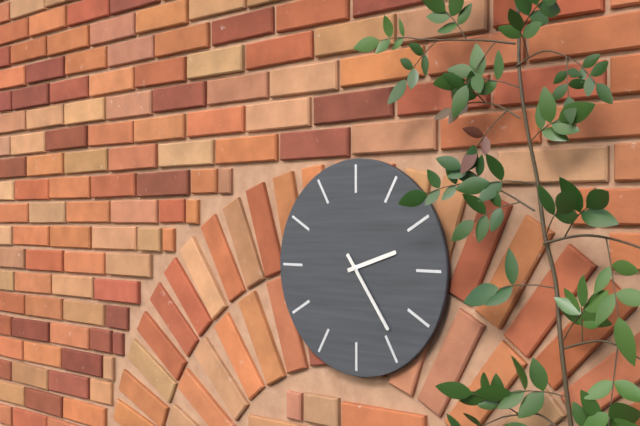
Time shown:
{"hour": 2, "minute": 24}
